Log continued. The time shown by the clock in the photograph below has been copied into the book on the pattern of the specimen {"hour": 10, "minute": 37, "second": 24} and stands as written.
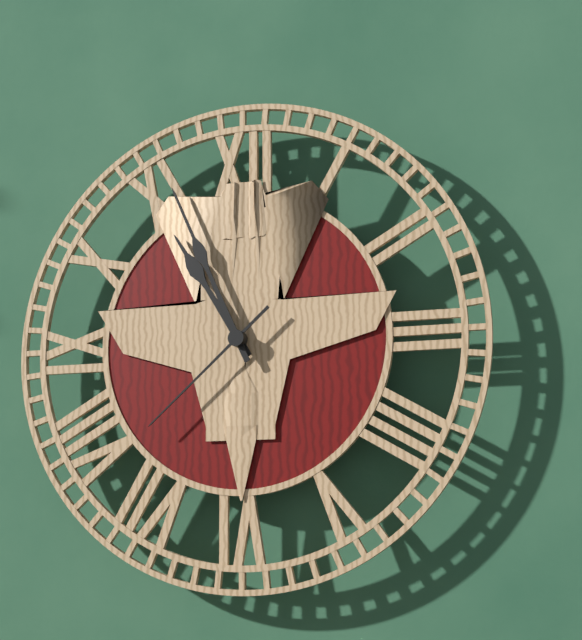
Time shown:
{"hour": 10, "minute": 56, "second": 38}
